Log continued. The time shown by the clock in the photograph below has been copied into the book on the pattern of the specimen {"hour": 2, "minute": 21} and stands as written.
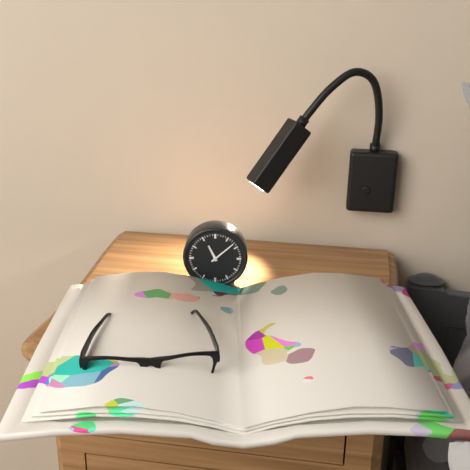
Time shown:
{"hour": 11, "minute": 8}
